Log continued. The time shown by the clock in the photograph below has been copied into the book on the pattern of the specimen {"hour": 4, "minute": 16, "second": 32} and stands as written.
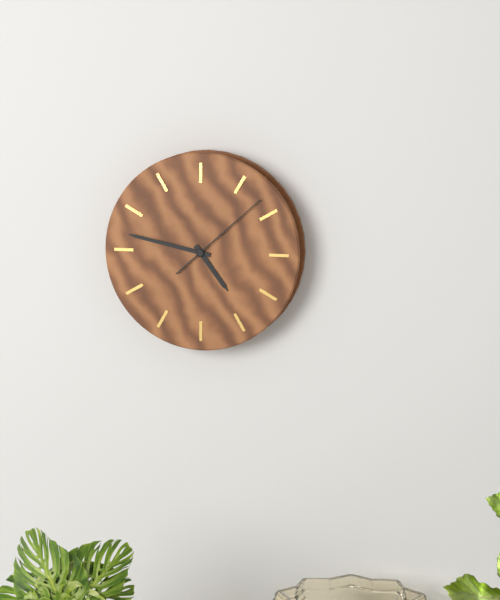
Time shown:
{"hour": 4, "minute": 47, "second": 8}
